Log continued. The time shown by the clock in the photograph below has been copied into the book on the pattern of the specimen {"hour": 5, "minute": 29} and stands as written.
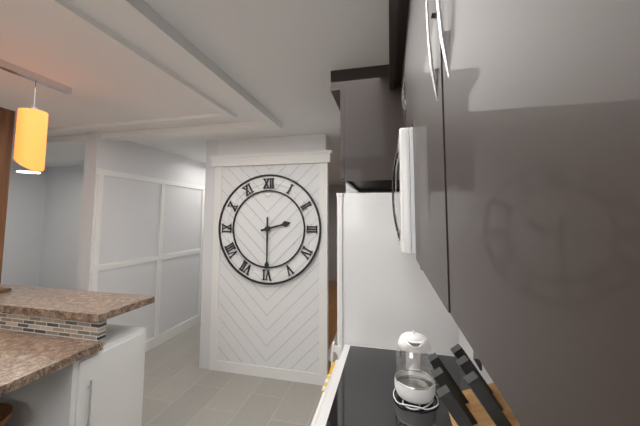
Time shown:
{"hour": 2, "minute": 30}
